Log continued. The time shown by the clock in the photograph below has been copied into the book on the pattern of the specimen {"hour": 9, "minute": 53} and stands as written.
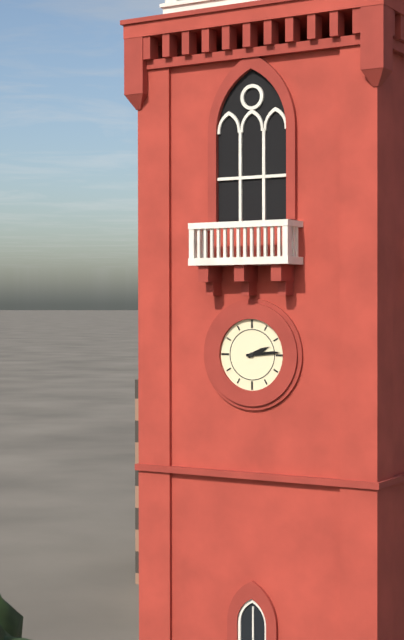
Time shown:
{"hour": 2, "minute": 14}
